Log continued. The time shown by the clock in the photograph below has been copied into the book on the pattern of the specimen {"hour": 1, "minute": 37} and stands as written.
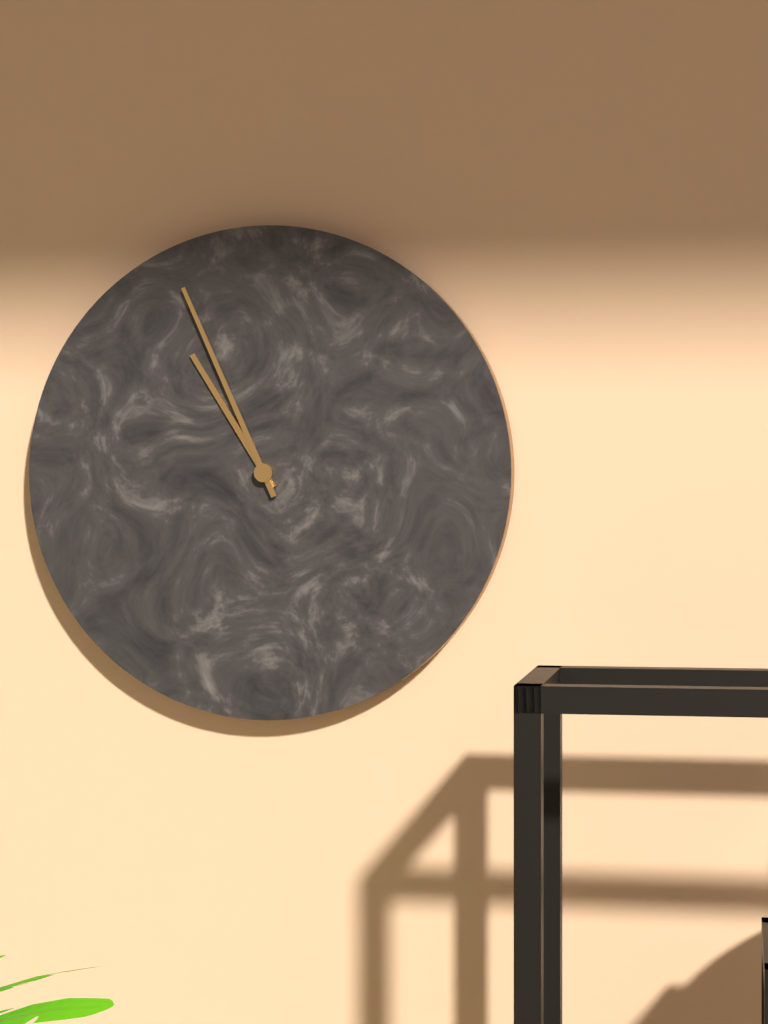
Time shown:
{"hour": 10, "minute": 56}
